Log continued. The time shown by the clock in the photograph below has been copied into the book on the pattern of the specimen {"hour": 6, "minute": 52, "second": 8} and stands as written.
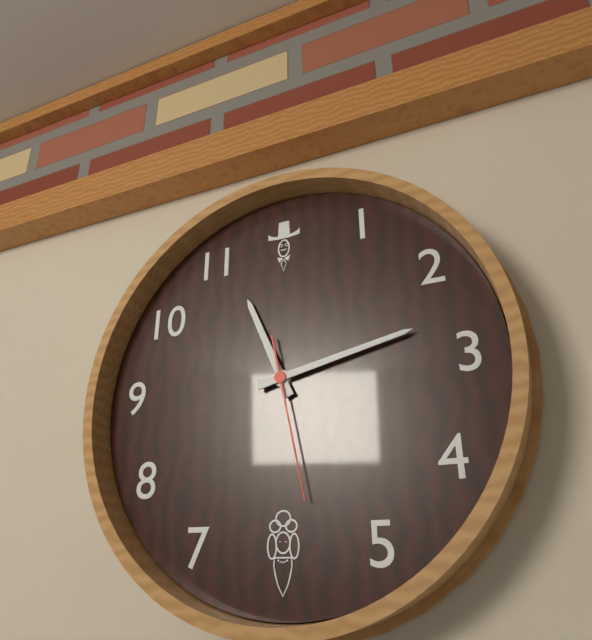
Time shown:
{"hour": 11, "minute": 13, "second": 28}
